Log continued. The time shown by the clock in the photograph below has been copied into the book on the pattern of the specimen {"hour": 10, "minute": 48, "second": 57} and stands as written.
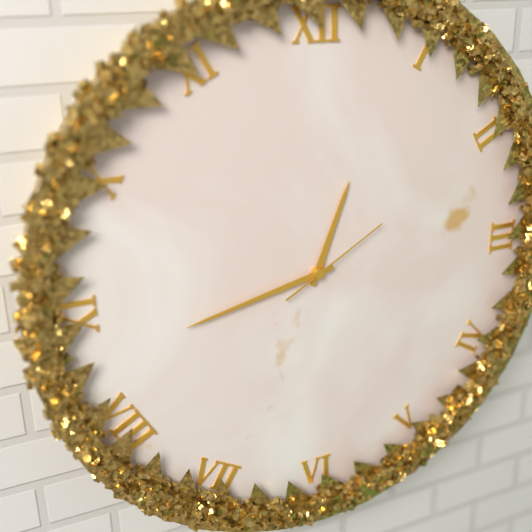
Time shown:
{"hour": 12, "minute": 43, "second": 10}
